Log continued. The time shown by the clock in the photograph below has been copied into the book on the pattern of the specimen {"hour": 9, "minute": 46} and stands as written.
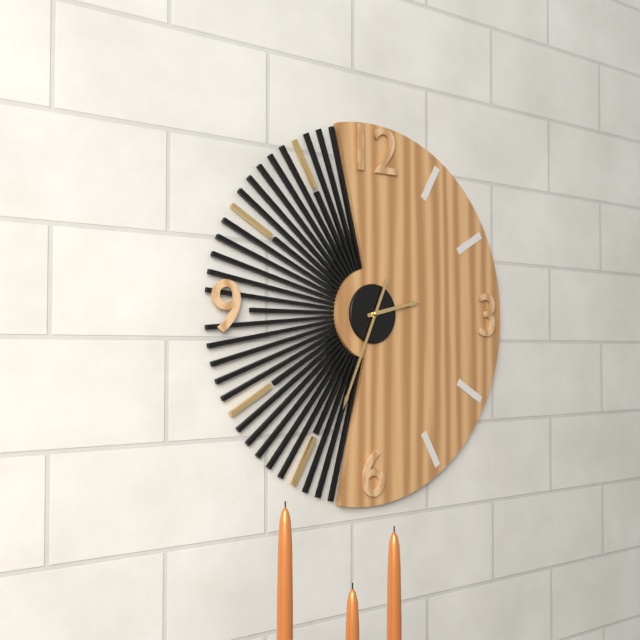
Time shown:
{"hour": 2, "minute": 34}
